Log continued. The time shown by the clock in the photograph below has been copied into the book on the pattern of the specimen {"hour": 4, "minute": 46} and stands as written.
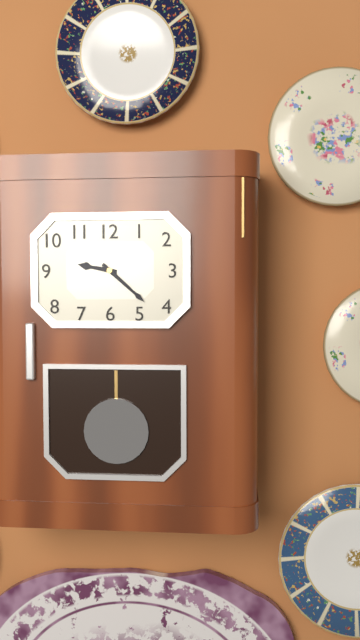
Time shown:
{"hour": 9, "minute": 22}
